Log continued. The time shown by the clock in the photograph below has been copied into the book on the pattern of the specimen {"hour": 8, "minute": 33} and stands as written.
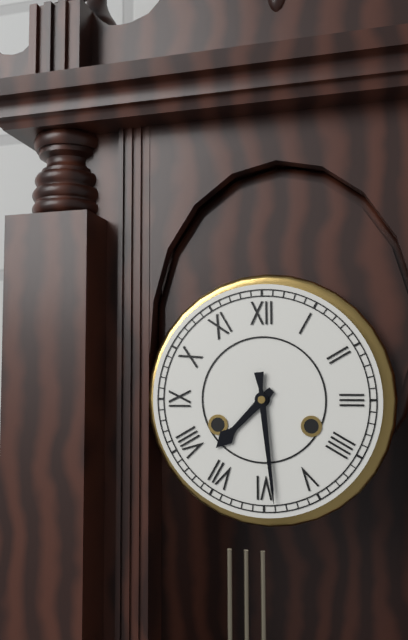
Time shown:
{"hour": 7, "minute": 29}
